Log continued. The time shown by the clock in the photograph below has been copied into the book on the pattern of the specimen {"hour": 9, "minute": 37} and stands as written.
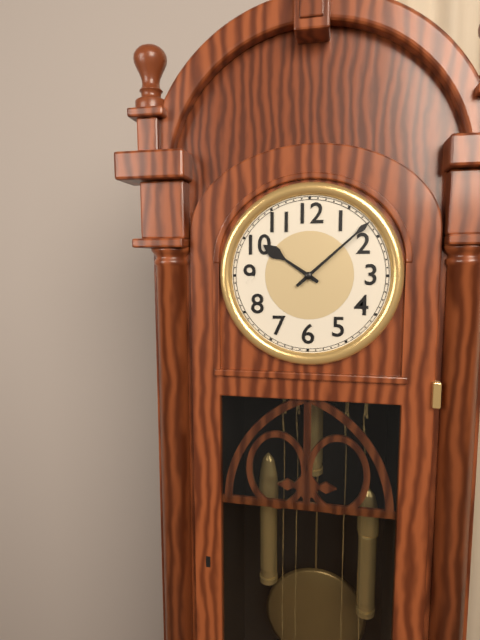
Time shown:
{"hour": 10, "minute": 8}
